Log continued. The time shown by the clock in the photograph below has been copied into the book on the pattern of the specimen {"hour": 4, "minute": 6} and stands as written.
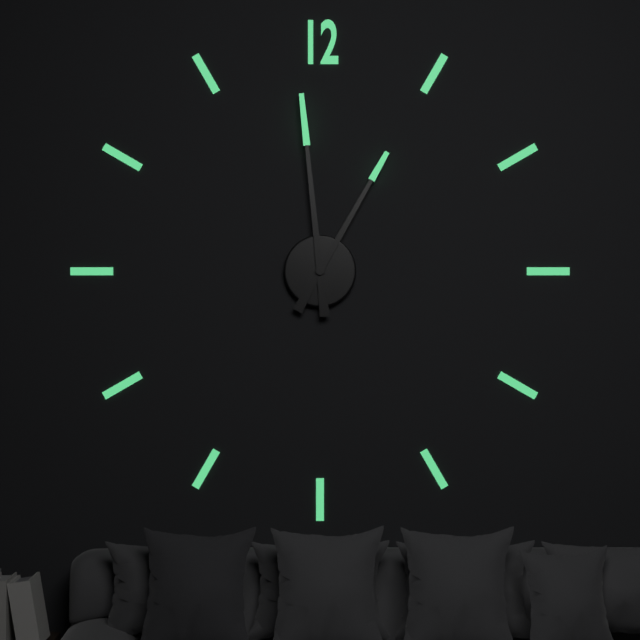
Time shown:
{"hour": 12, "minute": 59}
